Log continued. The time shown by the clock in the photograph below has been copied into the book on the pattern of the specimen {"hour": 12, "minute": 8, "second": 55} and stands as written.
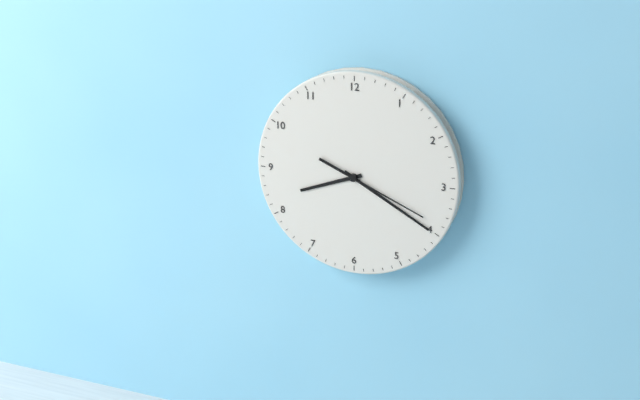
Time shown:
{"hour": 8, "minute": 20, "second": 19}
